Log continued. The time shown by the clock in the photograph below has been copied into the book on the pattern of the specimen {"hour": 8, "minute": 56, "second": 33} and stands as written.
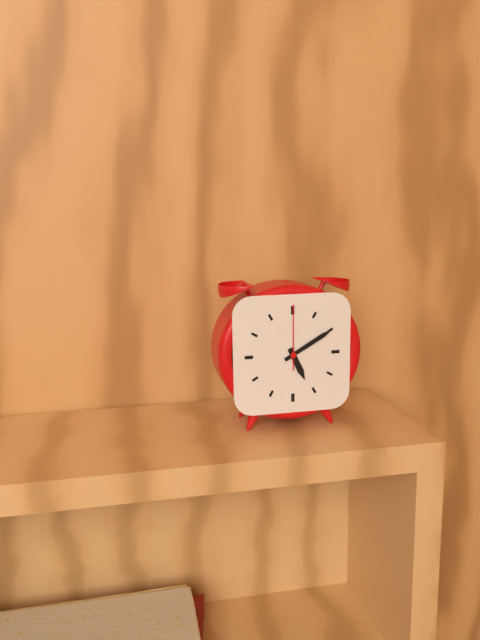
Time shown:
{"hour": 5, "minute": 10, "second": 0}
